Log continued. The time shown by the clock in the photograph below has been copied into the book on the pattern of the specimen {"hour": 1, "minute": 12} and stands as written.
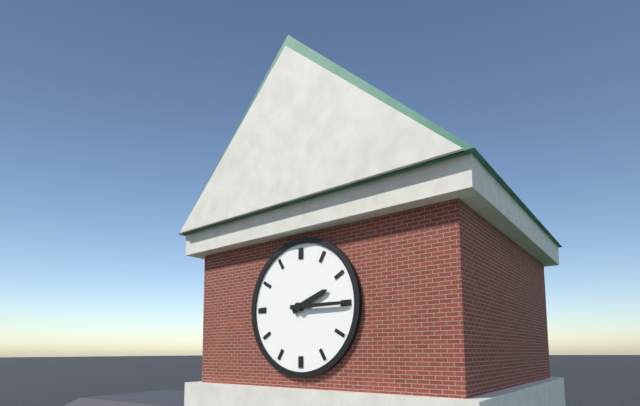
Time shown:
{"hour": 2, "minute": 15}
